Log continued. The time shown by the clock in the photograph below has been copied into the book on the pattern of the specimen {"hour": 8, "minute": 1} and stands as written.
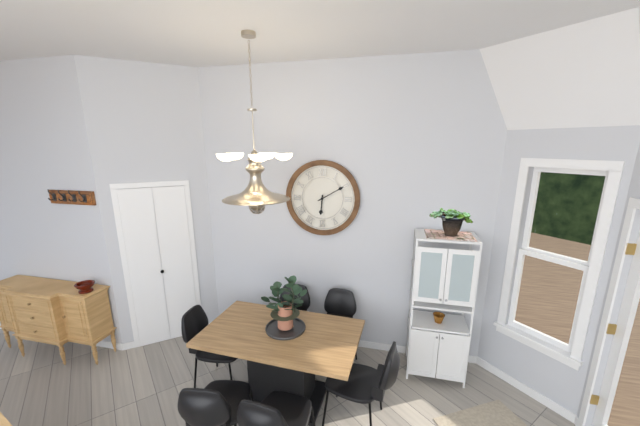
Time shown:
{"hour": 6, "minute": 10}
